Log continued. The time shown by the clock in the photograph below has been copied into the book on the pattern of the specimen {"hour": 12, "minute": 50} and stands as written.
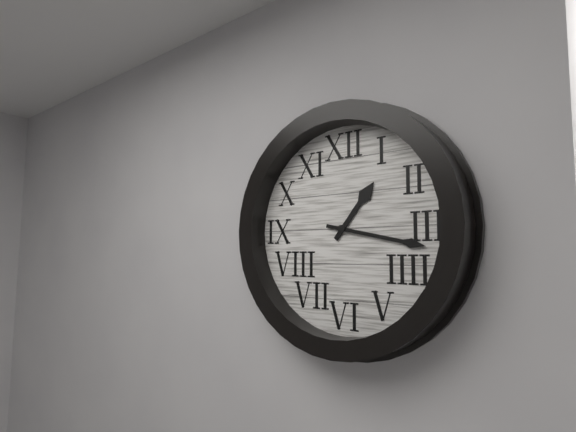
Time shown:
{"hour": 1, "minute": 17}
